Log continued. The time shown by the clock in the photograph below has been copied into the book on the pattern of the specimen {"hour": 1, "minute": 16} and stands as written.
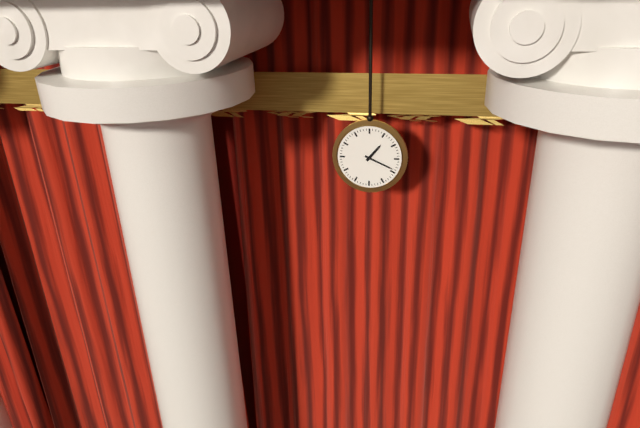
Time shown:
{"hour": 1, "minute": 19}
